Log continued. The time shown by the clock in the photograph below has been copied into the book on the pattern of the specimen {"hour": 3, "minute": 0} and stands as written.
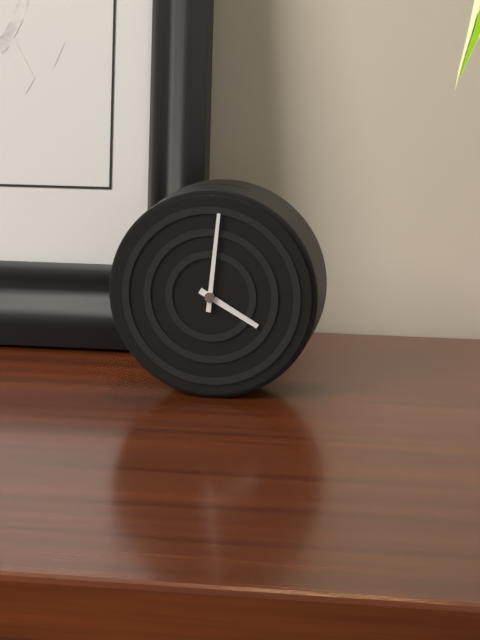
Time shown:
{"hour": 4, "minute": 1}
